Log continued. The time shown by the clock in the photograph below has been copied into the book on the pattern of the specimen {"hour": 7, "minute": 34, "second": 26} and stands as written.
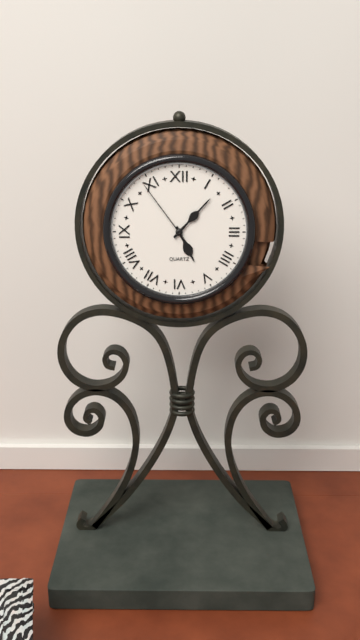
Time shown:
{"hour": 5, "minute": 7, "second": 54}
